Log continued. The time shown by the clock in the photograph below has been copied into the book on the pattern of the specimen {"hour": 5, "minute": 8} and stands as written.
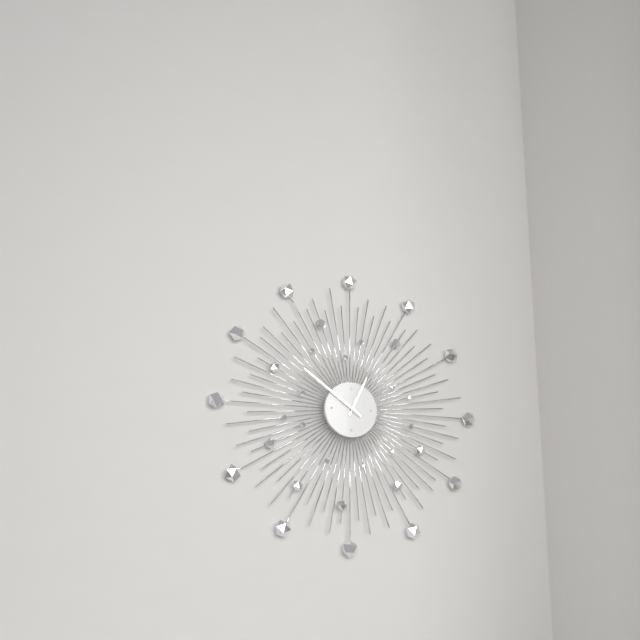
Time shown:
{"hour": 12, "minute": 51}
